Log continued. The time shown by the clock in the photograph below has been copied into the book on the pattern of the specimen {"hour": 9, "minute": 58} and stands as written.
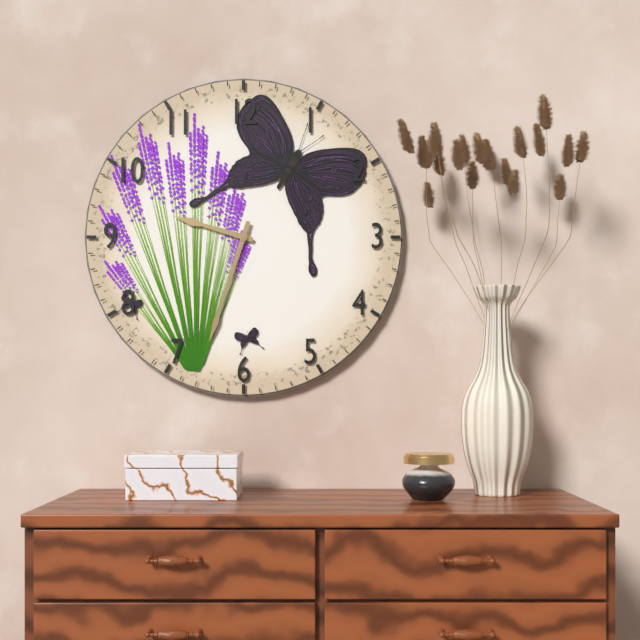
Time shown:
{"hour": 9, "minute": 33}
